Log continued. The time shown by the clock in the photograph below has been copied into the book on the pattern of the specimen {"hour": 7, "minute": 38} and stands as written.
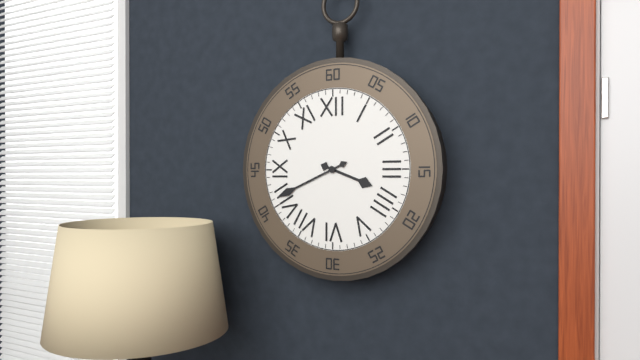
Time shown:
{"hour": 3, "minute": 41}
